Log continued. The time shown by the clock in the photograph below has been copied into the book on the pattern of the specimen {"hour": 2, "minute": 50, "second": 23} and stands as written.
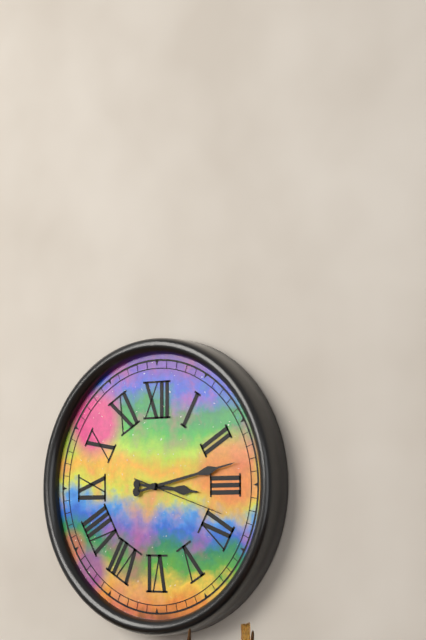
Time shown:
{"hour": 3, "minute": 13, "second": 18}
